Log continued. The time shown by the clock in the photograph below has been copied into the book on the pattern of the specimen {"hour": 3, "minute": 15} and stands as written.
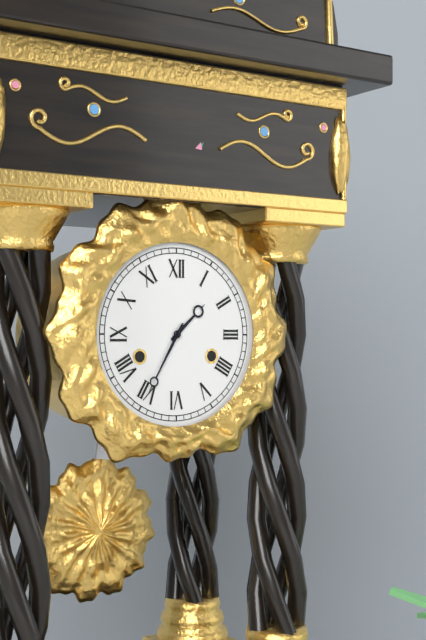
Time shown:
{"hour": 1, "minute": 35}
